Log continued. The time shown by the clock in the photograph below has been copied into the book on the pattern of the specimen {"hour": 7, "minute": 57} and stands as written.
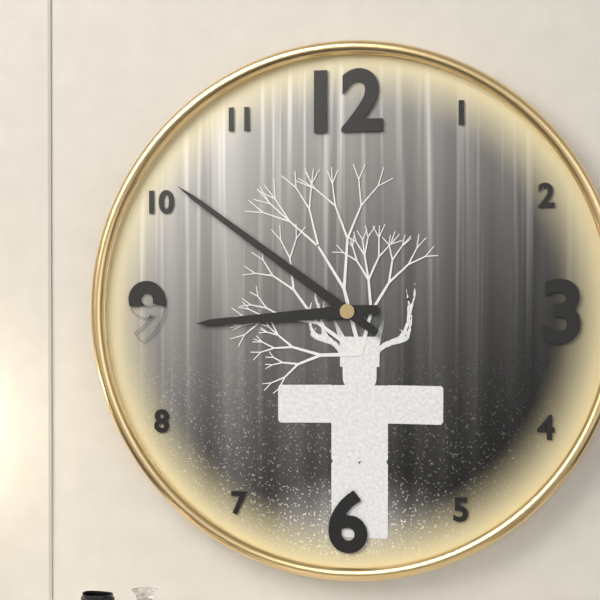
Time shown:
{"hour": 8, "minute": 51}
